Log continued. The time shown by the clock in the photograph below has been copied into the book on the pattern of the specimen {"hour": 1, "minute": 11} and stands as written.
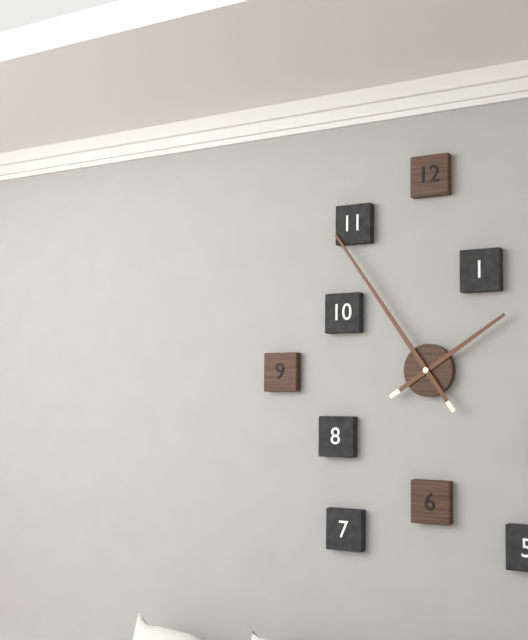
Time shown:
{"hour": 1, "minute": 54}
